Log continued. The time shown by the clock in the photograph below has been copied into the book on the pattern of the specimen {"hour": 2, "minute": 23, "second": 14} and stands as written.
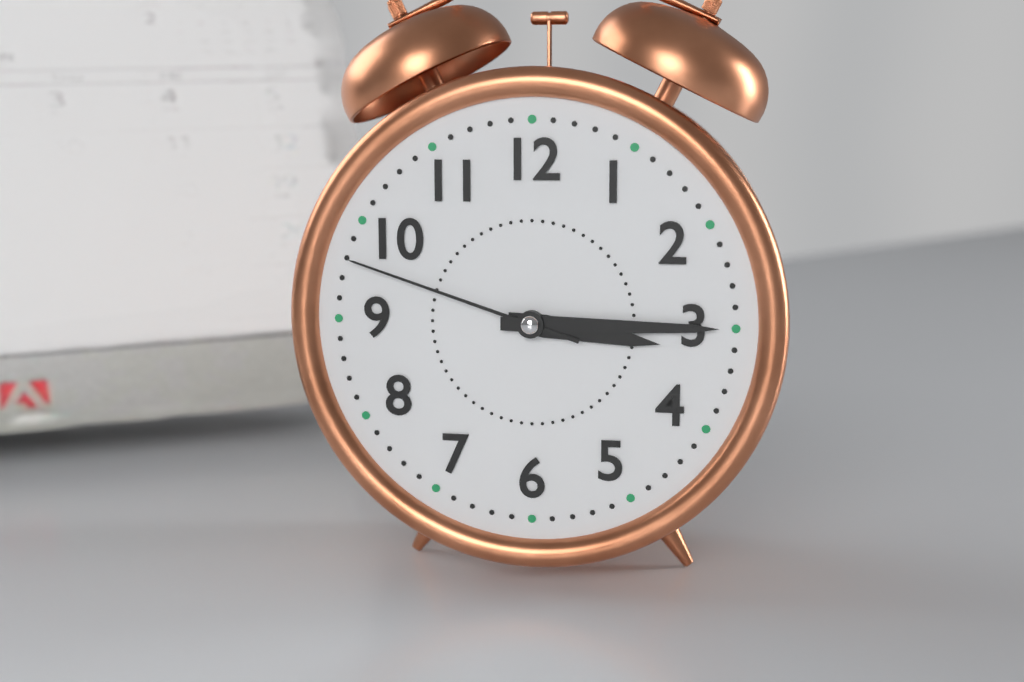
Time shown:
{"hour": 3, "minute": 15, "second": 48}
